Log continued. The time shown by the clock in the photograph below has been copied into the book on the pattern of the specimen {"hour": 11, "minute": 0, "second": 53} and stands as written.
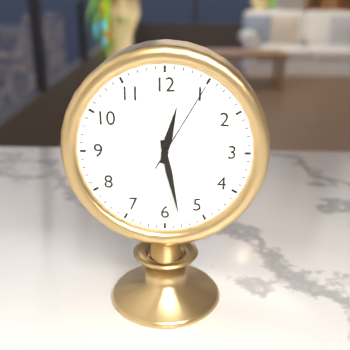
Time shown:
{"hour": 12, "minute": 28, "second": 5}
